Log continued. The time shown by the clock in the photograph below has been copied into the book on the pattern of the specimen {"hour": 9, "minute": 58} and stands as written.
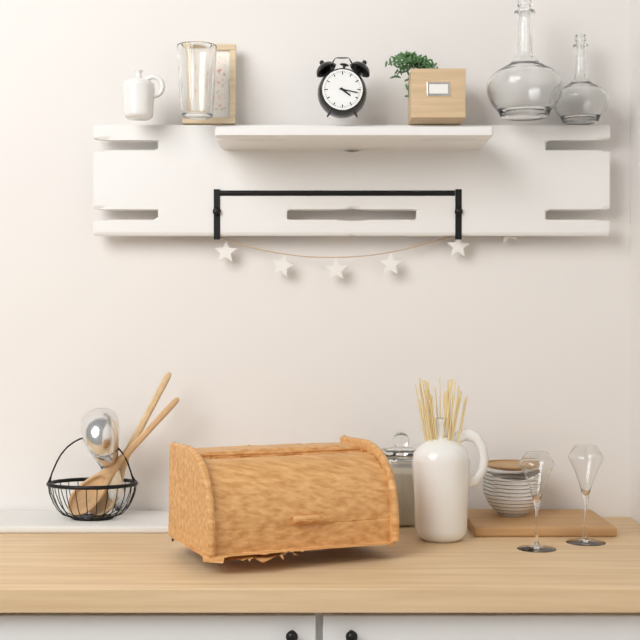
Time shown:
{"hour": 4, "minute": 17}
